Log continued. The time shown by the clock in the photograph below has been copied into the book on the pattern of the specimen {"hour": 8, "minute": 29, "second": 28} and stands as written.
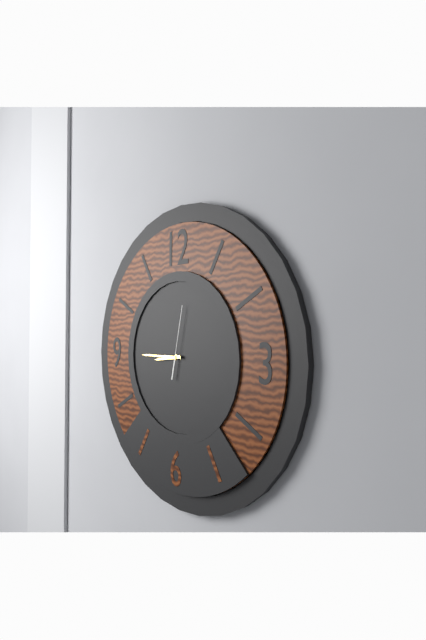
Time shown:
{"hour": 8, "minute": 45, "second": 2}
